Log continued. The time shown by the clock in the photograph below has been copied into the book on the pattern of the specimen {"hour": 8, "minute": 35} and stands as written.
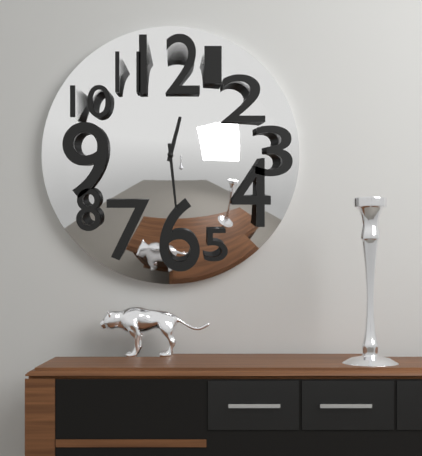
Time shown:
{"hour": 12, "minute": 29}
